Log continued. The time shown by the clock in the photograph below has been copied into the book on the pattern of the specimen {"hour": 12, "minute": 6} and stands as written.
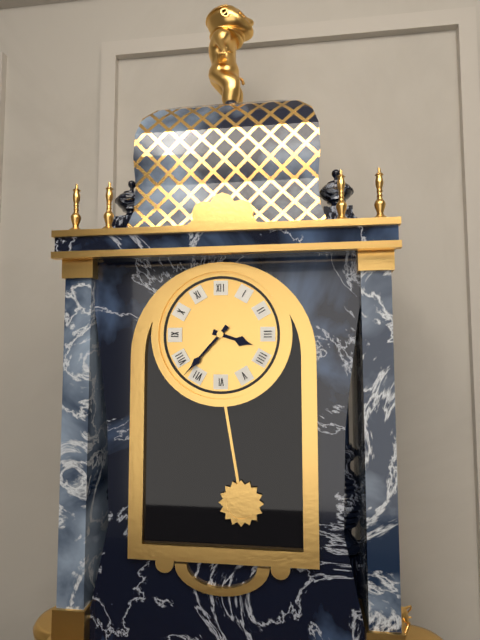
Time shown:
{"hour": 3, "minute": 37}
